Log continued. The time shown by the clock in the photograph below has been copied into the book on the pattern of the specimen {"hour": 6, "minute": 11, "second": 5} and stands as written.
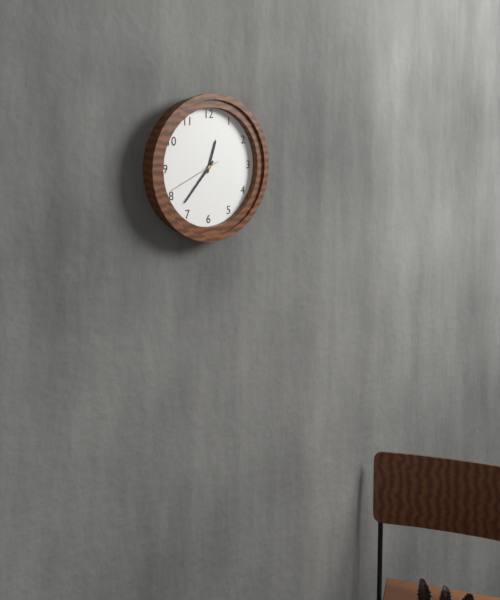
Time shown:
{"hour": 12, "minute": 37, "second": 41}
